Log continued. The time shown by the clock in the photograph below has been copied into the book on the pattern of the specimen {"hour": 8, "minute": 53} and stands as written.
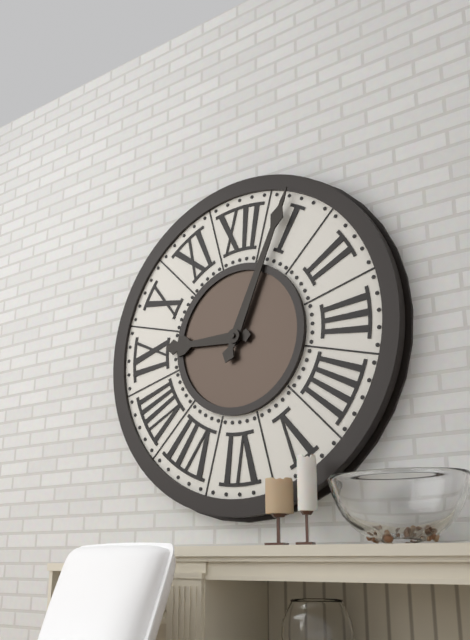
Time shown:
{"hour": 9, "minute": 4}
